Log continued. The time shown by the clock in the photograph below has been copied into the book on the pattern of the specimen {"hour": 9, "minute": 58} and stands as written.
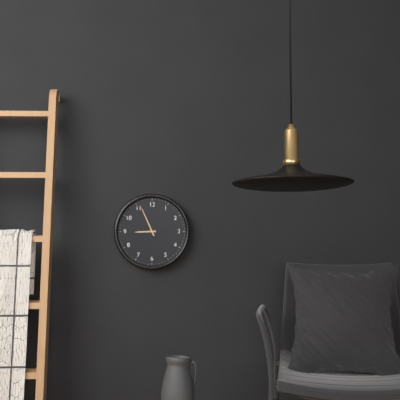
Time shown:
{"hour": 8, "minute": 56}
